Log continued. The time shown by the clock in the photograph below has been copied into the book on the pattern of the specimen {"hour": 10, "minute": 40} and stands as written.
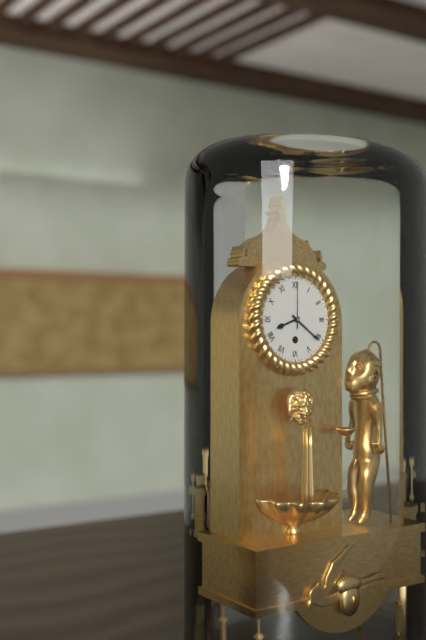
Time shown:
{"hour": 8, "minute": 21}
